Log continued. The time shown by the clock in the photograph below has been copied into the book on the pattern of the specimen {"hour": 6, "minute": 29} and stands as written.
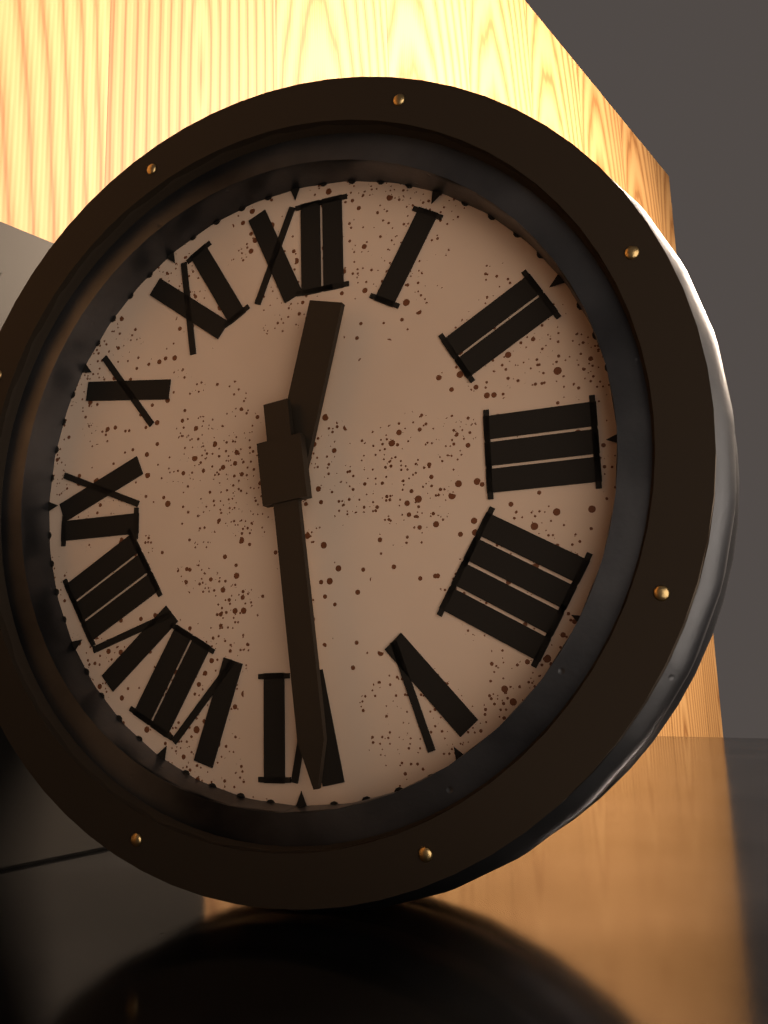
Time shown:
{"hour": 12, "minute": 29}
